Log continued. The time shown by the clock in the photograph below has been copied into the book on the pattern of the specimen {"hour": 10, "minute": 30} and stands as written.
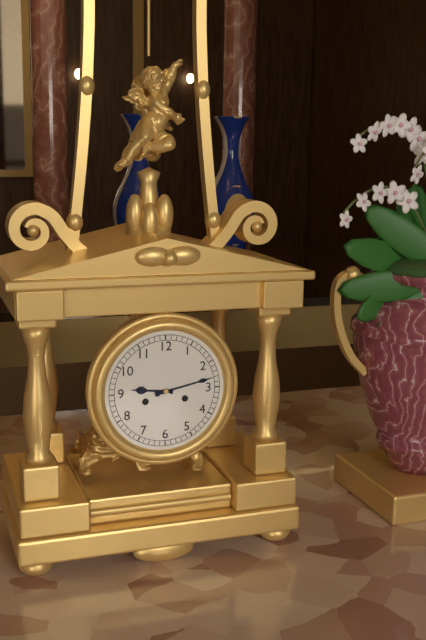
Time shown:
{"hour": 9, "minute": 13}
